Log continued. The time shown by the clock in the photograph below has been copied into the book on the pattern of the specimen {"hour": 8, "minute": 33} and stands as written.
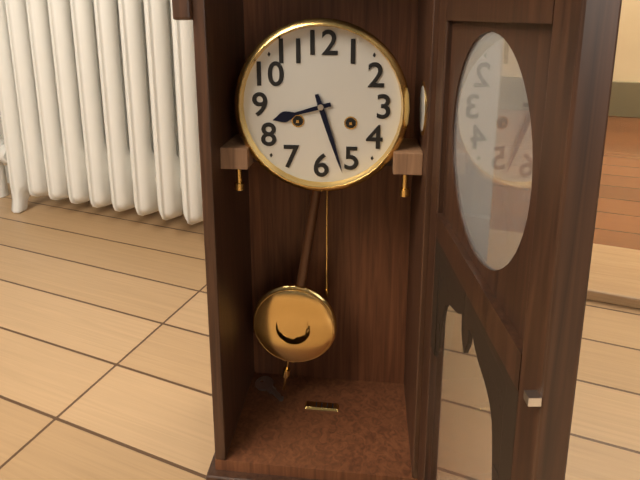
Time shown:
{"hour": 8, "minute": 27}
